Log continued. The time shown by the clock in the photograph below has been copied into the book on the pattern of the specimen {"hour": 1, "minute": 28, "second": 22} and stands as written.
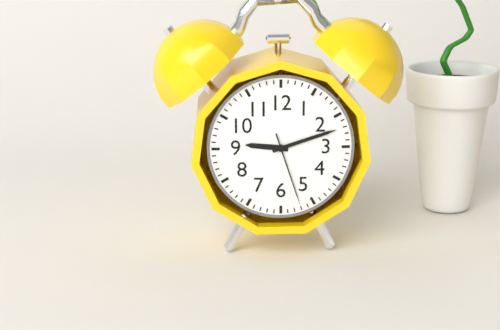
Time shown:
{"hour": 9, "minute": 12, "second": 27}
